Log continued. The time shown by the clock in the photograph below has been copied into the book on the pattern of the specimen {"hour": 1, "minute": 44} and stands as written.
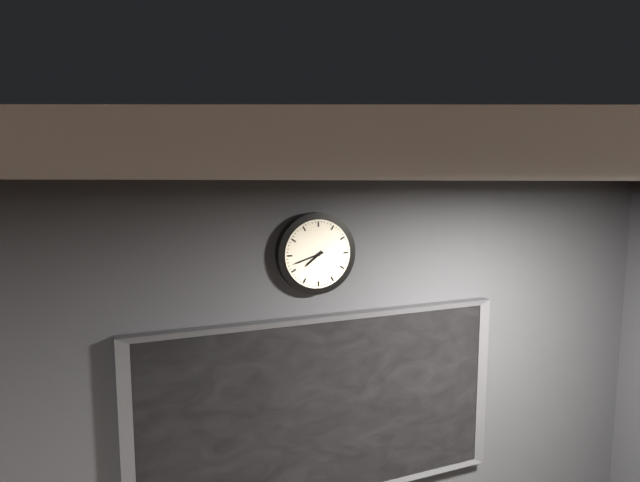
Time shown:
{"hour": 7, "minute": 42}
